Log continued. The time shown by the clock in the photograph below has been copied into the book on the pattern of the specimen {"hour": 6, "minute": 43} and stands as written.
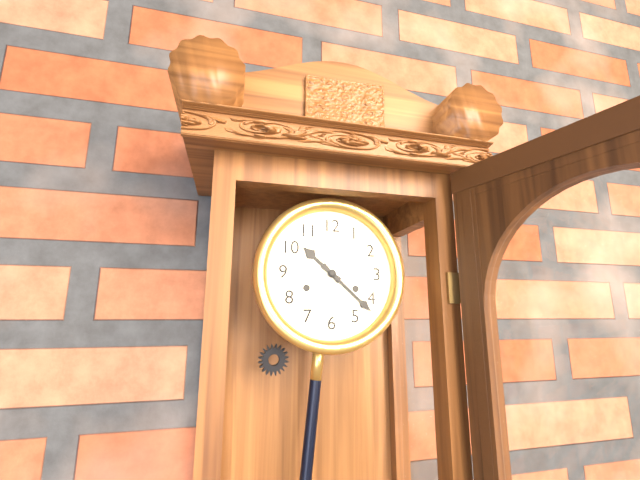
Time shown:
{"hour": 10, "minute": 22}
